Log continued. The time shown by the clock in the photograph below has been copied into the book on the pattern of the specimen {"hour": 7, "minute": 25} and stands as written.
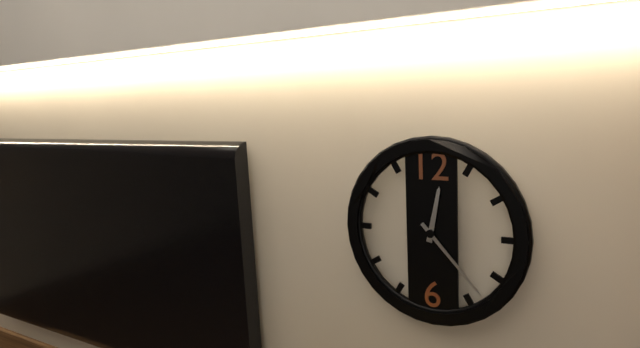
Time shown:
{"hour": 12, "minute": 23}
